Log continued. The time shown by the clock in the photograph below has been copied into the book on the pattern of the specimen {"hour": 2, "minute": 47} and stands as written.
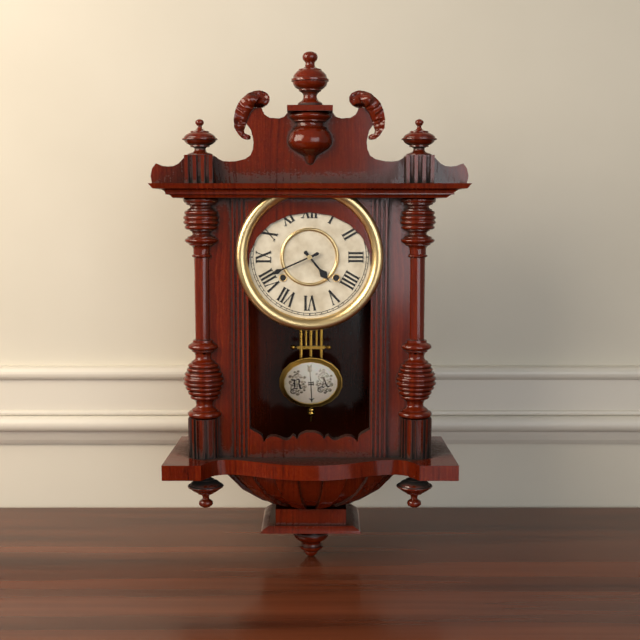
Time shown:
{"hour": 4, "minute": 41}
